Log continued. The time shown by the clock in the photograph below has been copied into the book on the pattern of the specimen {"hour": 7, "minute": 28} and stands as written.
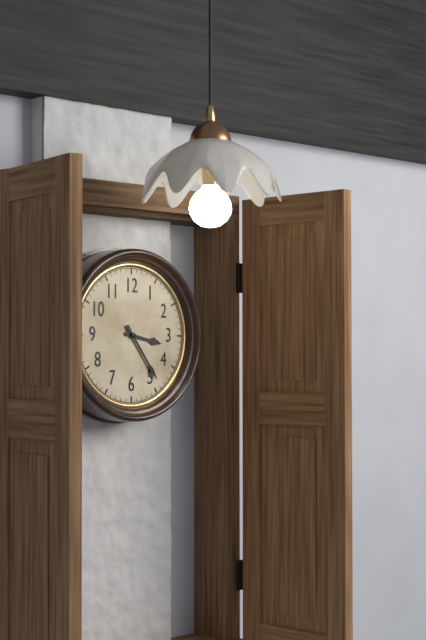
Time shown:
{"hour": 3, "minute": 24}
